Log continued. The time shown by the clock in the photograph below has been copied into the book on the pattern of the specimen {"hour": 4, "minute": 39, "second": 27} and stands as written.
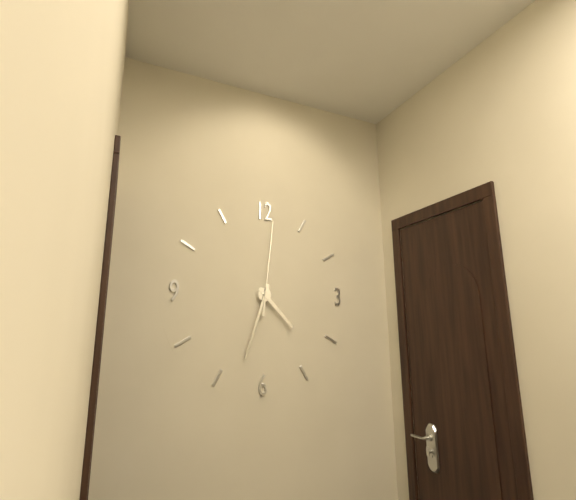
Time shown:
{"hour": 4, "minute": 33, "second": 1}
